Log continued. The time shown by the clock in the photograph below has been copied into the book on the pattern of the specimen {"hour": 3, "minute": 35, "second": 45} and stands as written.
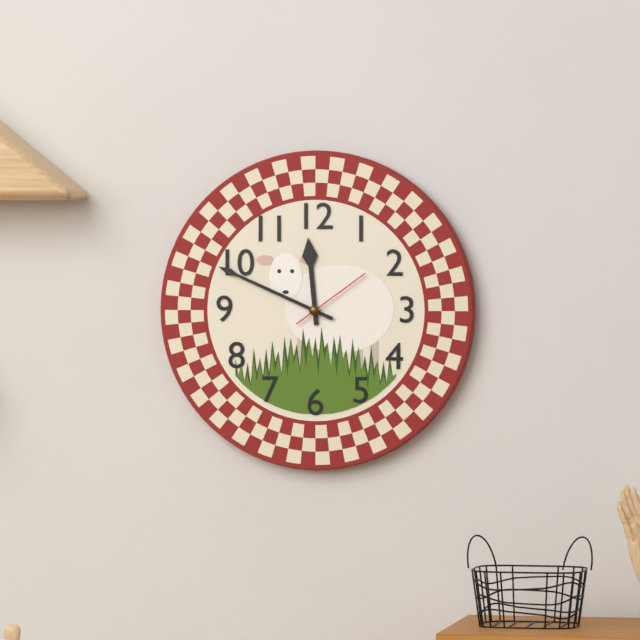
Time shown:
{"hour": 11, "minute": 49, "second": 9}
